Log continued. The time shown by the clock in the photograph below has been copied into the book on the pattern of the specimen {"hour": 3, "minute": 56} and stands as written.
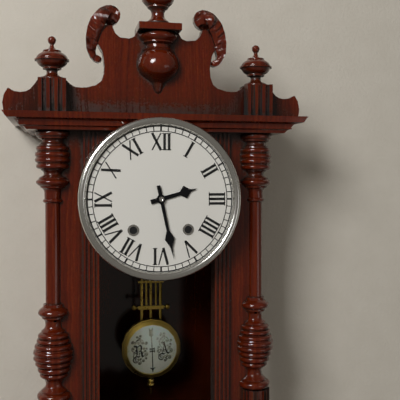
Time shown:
{"hour": 2, "minute": 28}
